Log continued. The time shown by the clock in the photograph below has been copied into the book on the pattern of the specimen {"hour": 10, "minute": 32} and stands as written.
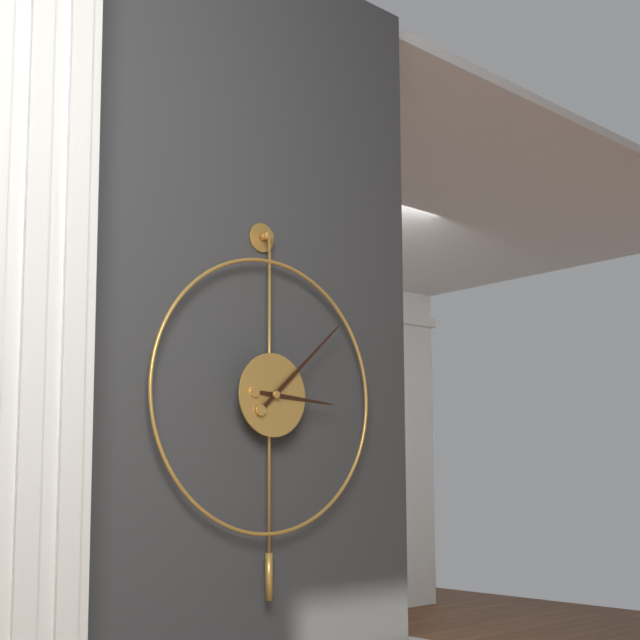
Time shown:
{"hour": 3, "minute": 8}
